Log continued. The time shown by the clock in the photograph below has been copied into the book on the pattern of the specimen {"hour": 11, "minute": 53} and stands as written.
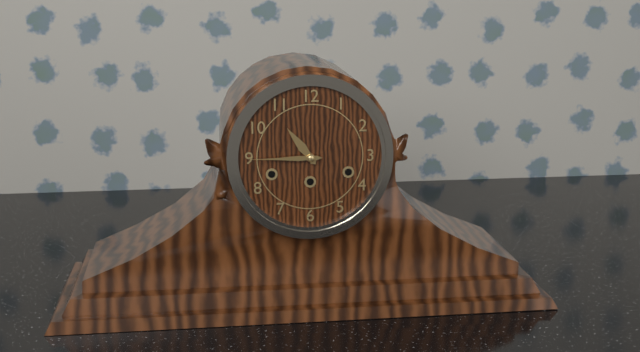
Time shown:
{"hour": 10, "minute": 45}
